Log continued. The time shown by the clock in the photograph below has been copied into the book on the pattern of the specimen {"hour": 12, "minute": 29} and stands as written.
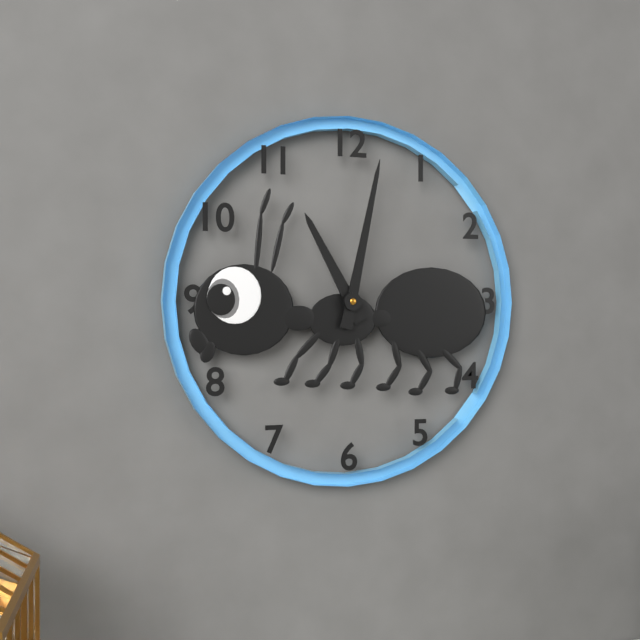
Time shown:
{"hour": 11, "minute": 2}
